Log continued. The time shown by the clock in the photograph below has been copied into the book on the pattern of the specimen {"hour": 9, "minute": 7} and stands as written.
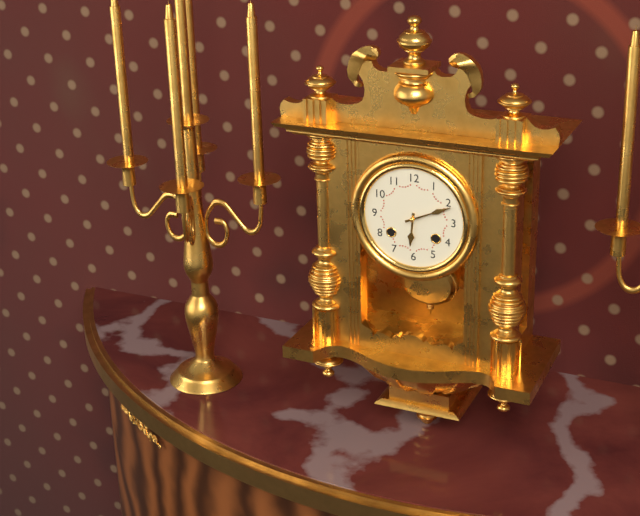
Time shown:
{"hour": 6, "minute": 11}
